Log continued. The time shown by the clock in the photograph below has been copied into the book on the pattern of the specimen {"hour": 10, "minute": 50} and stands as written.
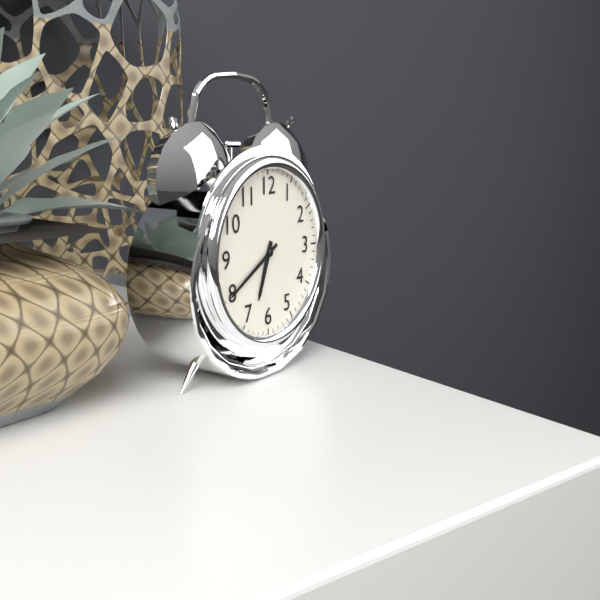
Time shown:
{"hour": 6, "minute": 40}
